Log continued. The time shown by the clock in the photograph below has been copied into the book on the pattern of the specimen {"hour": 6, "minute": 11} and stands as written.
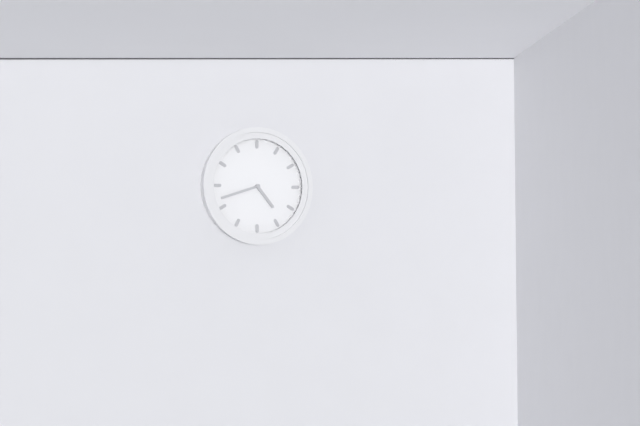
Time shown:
{"hour": 4, "minute": 42}
